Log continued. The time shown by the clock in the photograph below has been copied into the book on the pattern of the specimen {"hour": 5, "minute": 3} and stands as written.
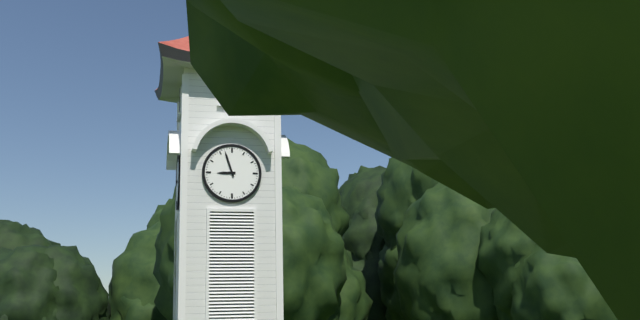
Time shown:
{"hour": 8, "minute": 57}
